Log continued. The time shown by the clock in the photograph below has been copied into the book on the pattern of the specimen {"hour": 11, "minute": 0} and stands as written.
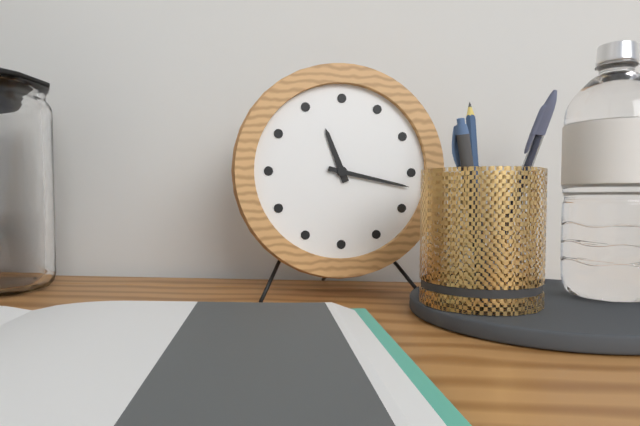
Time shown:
{"hour": 11, "minute": 17}
